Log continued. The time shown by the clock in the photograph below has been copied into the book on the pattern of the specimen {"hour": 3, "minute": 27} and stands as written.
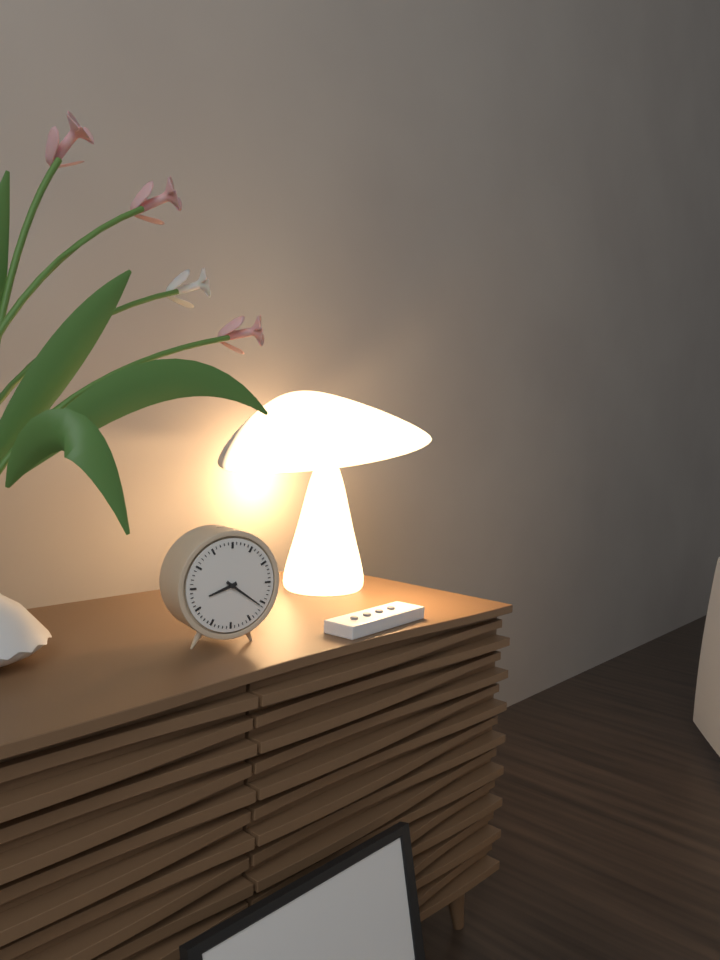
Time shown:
{"hour": 8, "minute": 21}
